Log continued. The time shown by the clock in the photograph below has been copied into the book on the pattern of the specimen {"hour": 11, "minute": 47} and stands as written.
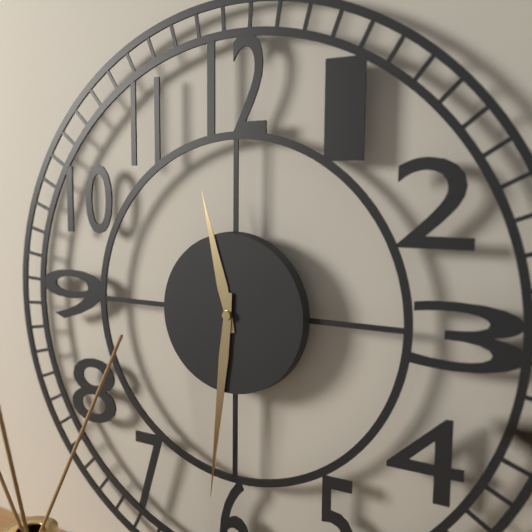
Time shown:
{"hour": 11, "minute": 31}
